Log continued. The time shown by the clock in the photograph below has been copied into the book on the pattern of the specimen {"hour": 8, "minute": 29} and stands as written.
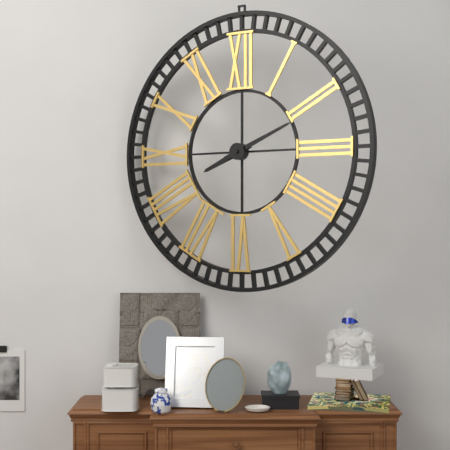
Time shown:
{"hour": 8, "minute": 11}
